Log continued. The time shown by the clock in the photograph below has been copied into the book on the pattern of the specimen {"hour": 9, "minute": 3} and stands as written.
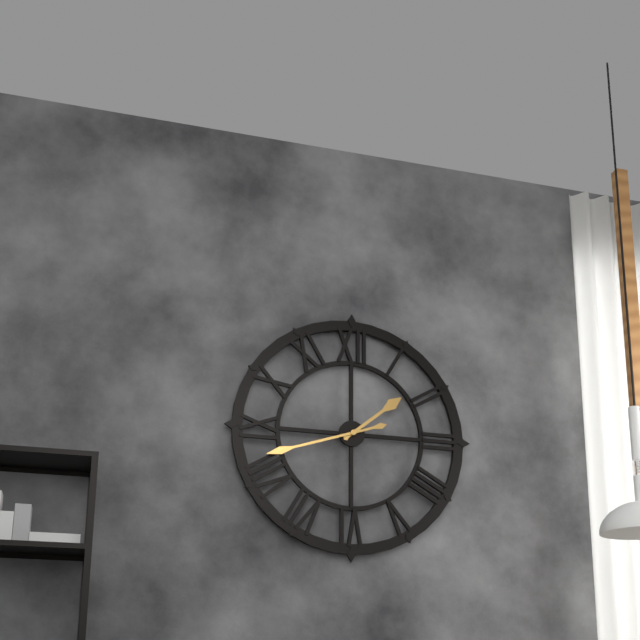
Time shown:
{"hour": 1, "minute": 42}
